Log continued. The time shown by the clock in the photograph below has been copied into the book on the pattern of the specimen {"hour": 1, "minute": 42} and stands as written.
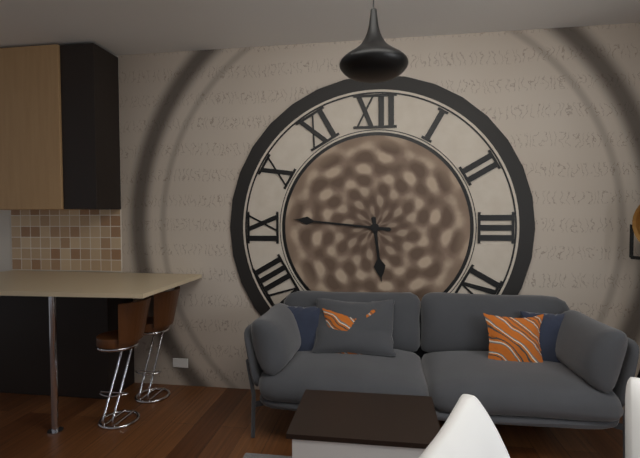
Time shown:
{"hour": 5, "minute": 46}
